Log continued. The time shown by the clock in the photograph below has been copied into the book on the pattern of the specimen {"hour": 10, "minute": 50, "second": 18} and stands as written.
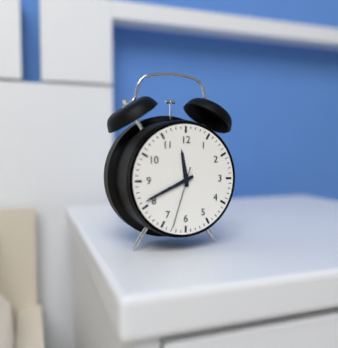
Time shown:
{"hour": 11, "minute": 41, "second": 33}
